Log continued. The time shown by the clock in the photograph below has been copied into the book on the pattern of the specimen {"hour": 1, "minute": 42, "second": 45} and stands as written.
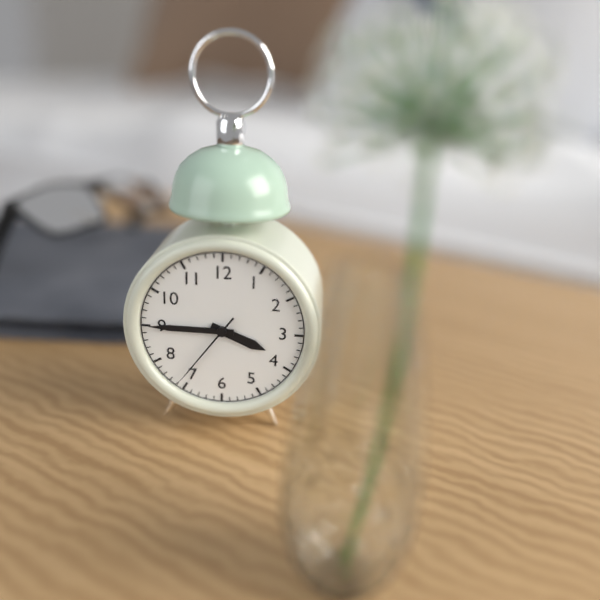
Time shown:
{"hour": 3, "minute": 45, "second": 36}
